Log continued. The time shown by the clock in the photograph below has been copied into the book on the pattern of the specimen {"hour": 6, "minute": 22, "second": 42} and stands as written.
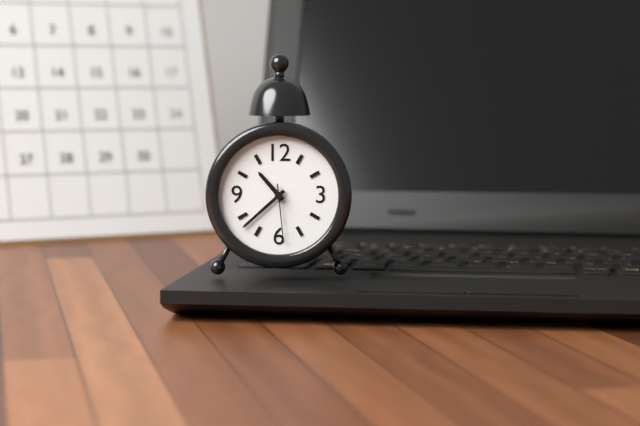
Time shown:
{"hour": 10, "minute": 38, "second": 29}
